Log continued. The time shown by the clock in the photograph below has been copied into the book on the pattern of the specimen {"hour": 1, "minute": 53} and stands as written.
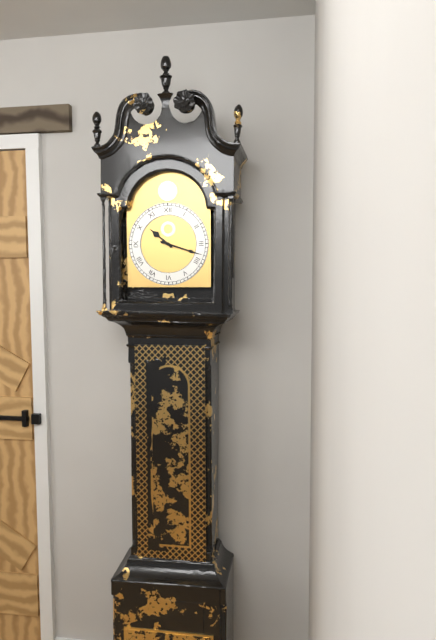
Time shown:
{"hour": 10, "minute": 18}
